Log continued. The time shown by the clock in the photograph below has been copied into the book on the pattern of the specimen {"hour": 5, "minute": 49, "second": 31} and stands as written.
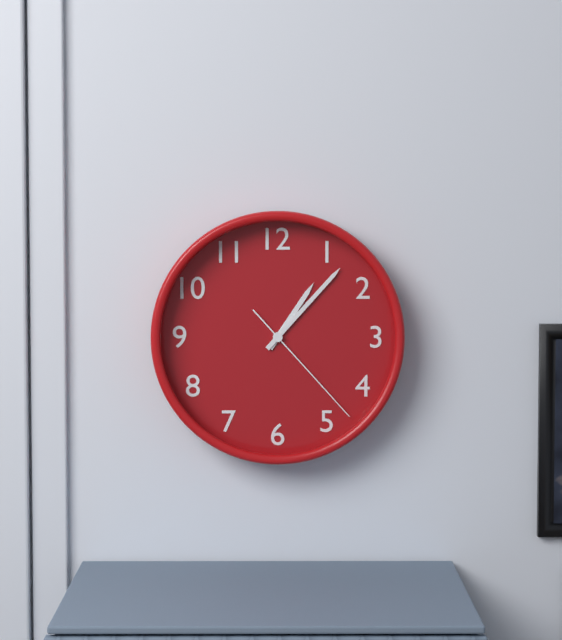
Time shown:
{"hour": 1, "minute": 7, "second": 23}
